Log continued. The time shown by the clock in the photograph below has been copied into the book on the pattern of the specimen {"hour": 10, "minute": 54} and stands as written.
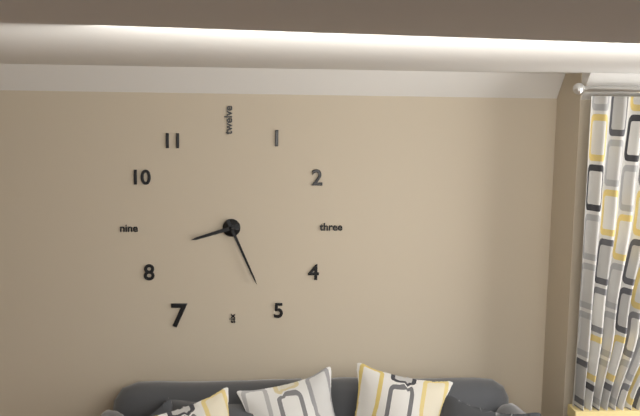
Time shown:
{"hour": 8, "minute": 26}
